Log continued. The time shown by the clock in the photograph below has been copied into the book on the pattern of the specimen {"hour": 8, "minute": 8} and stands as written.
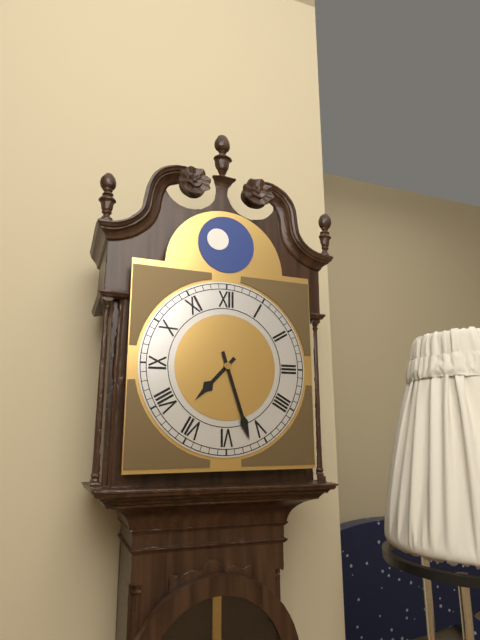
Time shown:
{"hour": 7, "minute": 27}
